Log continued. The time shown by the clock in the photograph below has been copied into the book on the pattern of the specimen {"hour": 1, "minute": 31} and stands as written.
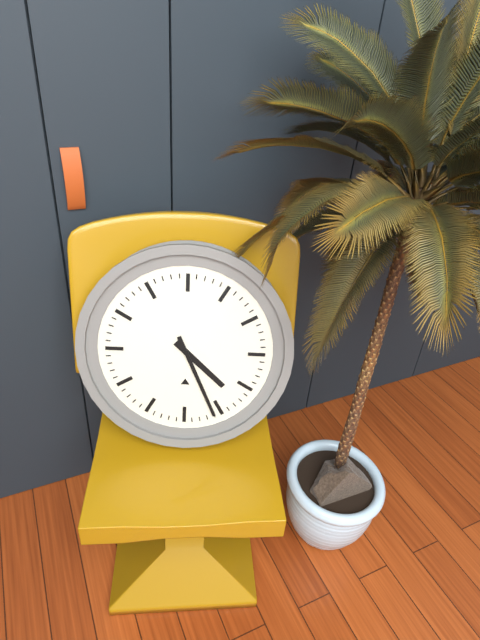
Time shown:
{"hour": 4, "minute": 26}
